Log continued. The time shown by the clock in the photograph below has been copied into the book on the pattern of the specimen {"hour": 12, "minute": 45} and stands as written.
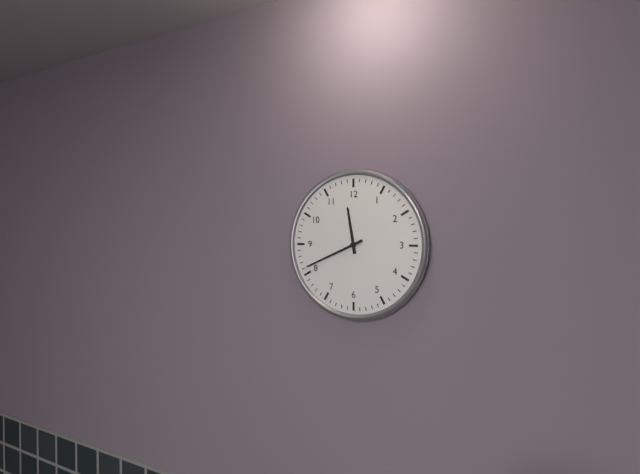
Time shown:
{"hour": 11, "minute": 41}
